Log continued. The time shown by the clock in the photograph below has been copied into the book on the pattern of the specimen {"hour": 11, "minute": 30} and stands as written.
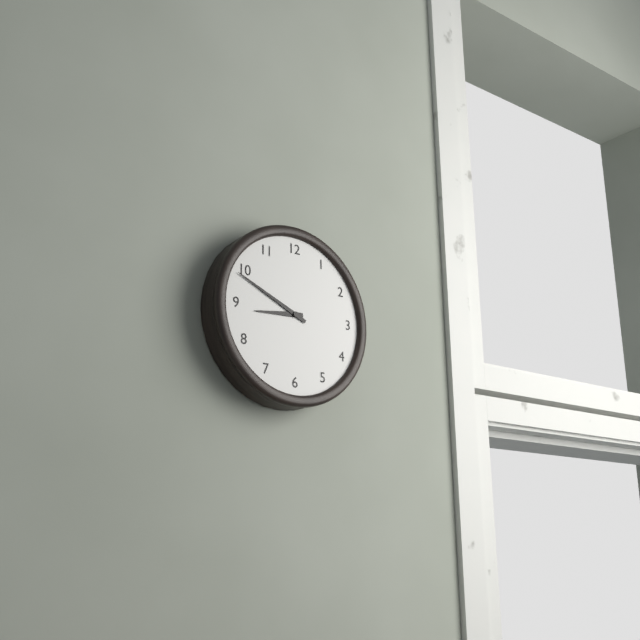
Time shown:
{"hour": 8, "minute": 49}
